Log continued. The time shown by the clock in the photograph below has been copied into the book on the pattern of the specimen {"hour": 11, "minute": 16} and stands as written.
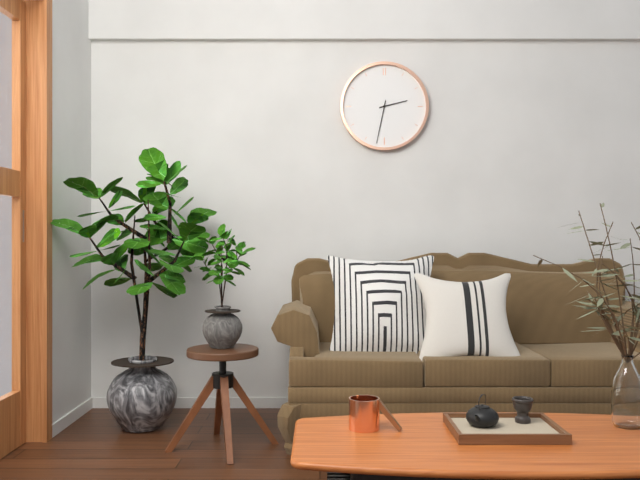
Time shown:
{"hour": 2, "minute": 32}
